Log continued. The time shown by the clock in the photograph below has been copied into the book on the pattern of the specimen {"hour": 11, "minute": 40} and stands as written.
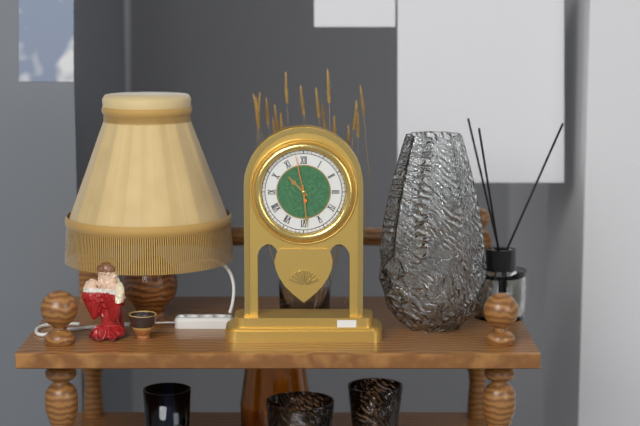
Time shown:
{"hour": 10, "minute": 29}
